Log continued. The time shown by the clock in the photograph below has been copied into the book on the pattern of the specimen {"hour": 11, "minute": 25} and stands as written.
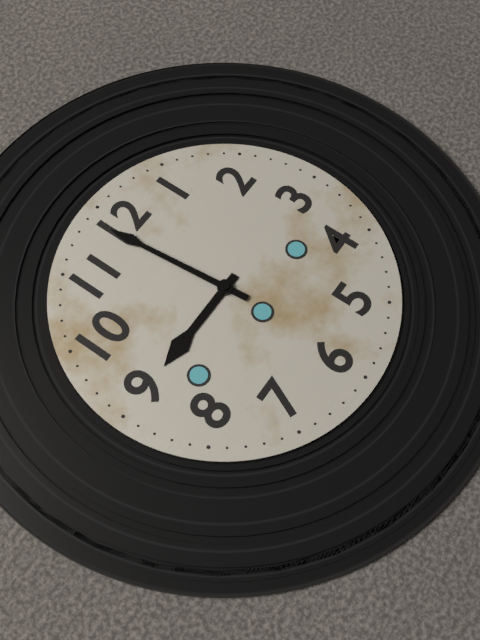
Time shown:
{"hour": 8, "minute": 59}
